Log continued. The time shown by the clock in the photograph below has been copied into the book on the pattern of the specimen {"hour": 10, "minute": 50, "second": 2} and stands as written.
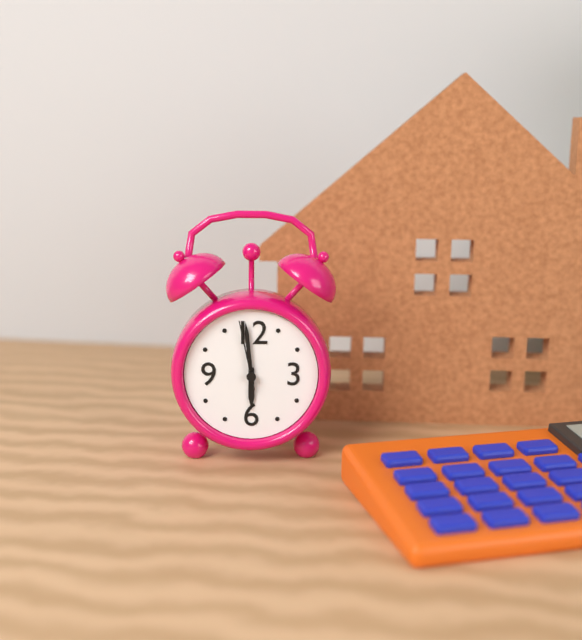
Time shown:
{"hour": 5, "minute": 59, "second": 58}
